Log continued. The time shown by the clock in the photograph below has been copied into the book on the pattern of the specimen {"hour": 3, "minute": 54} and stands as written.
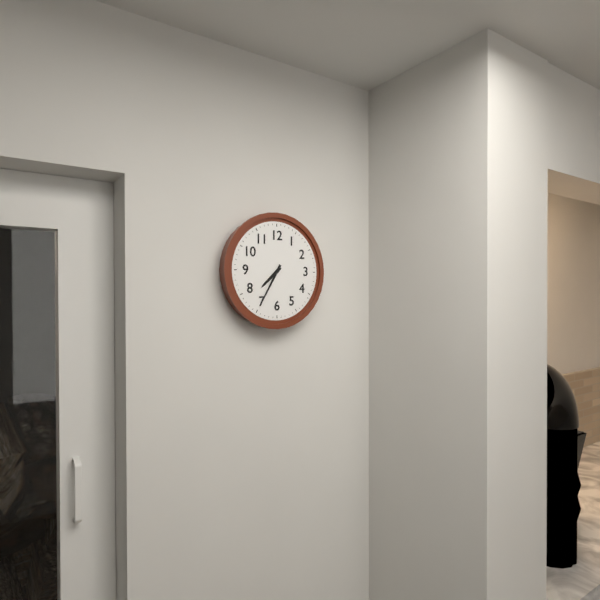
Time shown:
{"hour": 7, "minute": 35}
